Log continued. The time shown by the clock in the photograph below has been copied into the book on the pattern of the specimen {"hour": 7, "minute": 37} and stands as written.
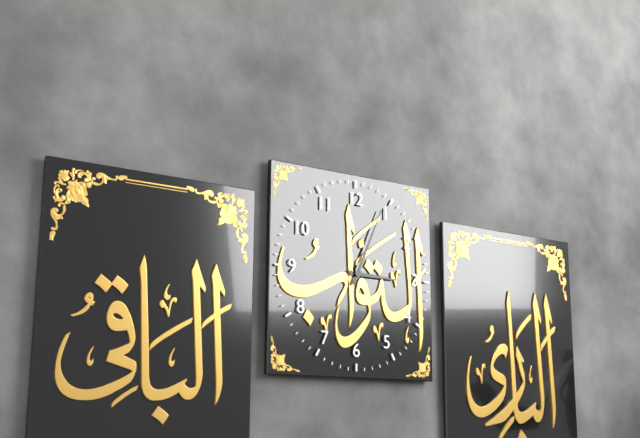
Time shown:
{"hour": 3, "minute": 4}
